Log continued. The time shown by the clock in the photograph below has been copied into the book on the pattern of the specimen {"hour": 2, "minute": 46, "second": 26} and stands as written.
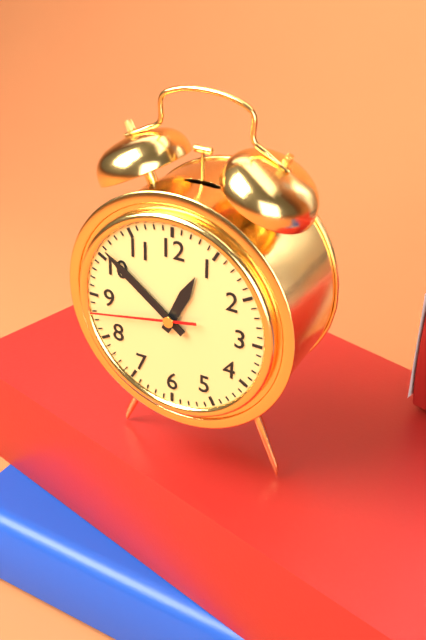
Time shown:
{"hour": 12, "minute": 51, "second": 43}
